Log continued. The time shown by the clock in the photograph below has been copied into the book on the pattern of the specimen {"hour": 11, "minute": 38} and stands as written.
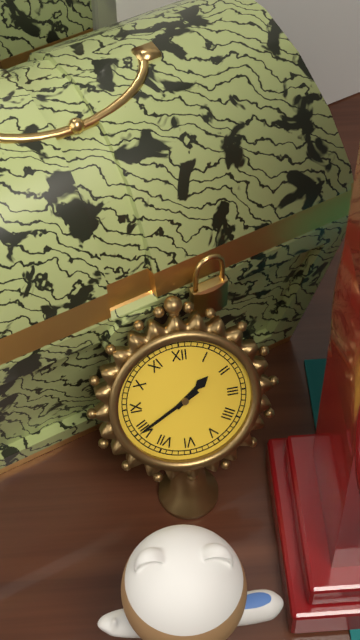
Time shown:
{"hour": 1, "minute": 40}
